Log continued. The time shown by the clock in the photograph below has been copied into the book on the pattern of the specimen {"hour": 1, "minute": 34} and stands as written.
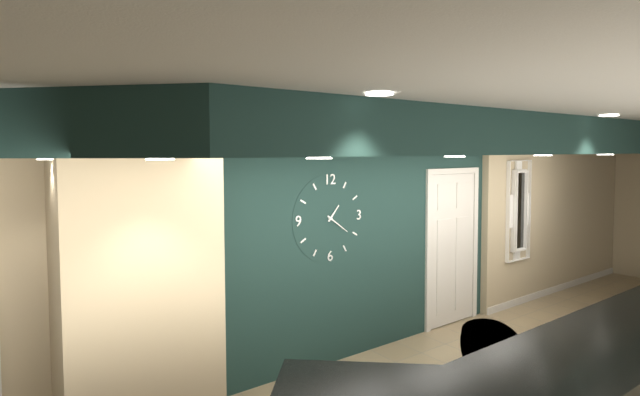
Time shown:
{"hour": 1, "minute": 21}
